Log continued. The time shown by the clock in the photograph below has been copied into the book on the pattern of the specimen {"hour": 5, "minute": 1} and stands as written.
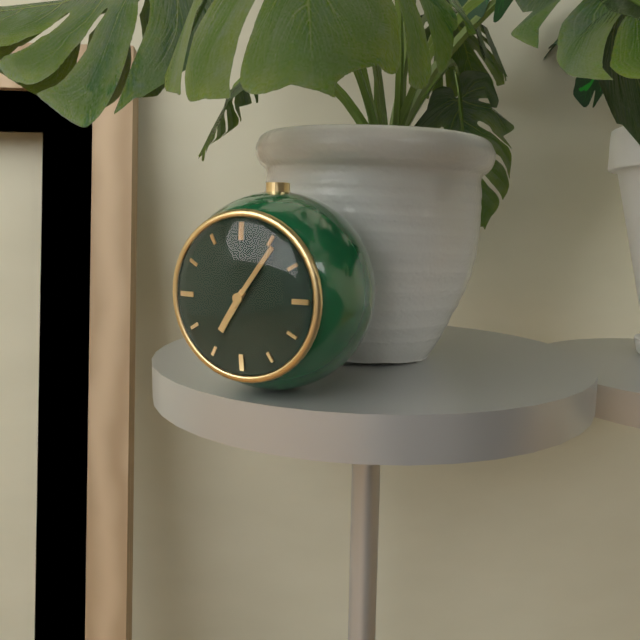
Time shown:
{"hour": 7, "minute": 6}
